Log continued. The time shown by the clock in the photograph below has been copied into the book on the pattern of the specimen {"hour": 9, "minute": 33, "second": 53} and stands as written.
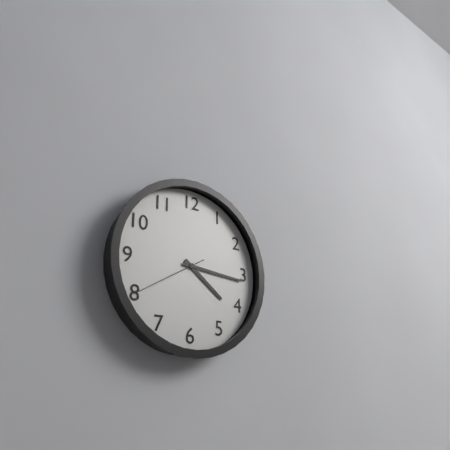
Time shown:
{"hour": 4, "minute": 16, "second": 40}
